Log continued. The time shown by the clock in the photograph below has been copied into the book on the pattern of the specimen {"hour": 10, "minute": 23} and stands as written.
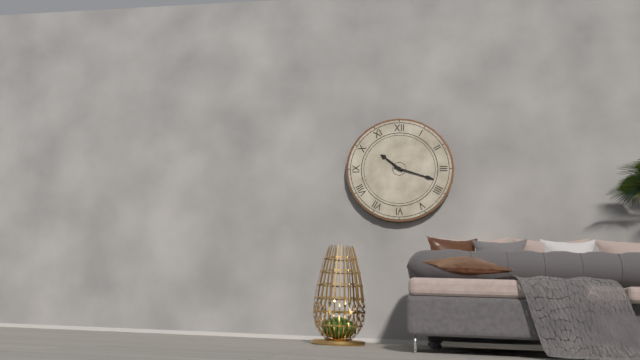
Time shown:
{"hour": 10, "minute": 18}
